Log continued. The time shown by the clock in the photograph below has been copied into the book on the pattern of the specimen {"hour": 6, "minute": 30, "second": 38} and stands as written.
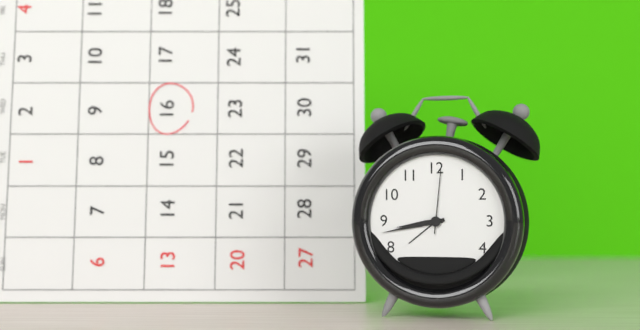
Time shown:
{"hour": 8, "minute": 43, "second": 1}
